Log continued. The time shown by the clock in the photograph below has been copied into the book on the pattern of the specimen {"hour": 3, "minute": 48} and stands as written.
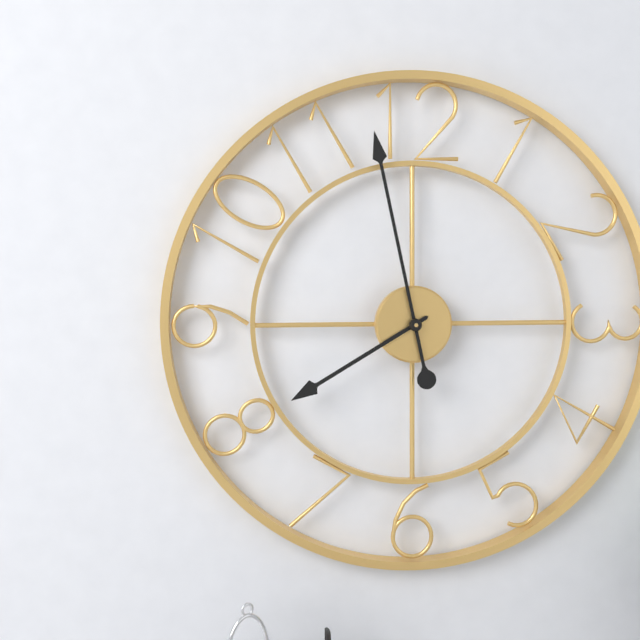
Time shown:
{"hour": 7, "minute": 58}
